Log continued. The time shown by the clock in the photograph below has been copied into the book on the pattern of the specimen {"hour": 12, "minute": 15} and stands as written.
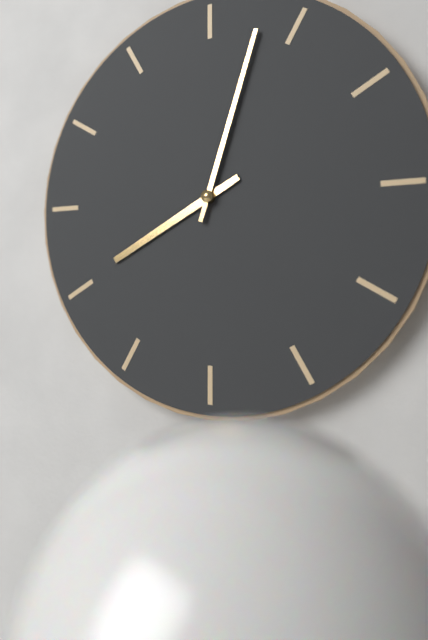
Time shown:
{"hour": 8, "minute": 3}
